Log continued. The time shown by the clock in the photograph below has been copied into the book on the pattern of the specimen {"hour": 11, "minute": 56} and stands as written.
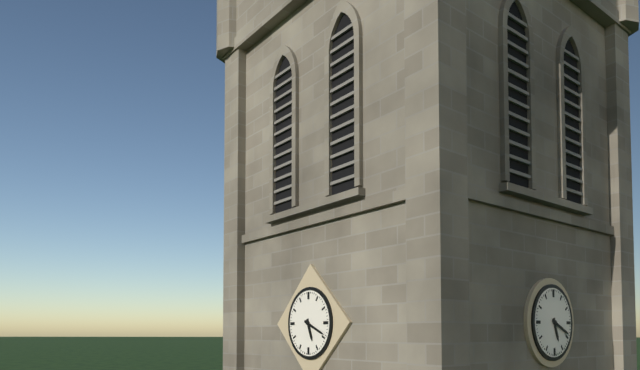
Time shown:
{"hour": 5, "minute": 19}
